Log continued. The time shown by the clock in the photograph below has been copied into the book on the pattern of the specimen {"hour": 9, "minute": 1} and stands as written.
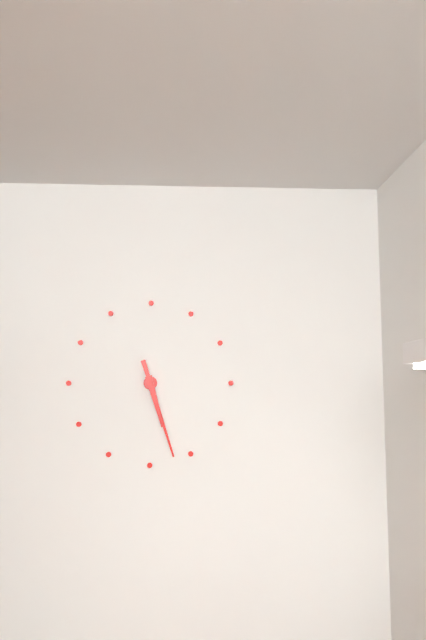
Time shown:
{"hour": 5, "minute": 27}
